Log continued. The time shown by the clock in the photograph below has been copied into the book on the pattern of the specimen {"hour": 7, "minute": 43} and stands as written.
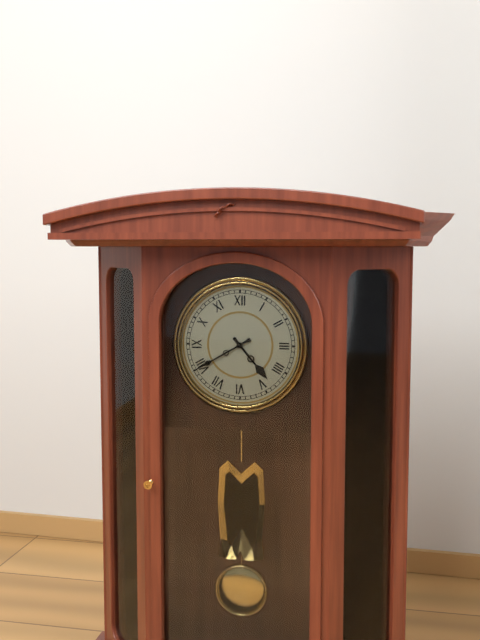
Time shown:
{"hour": 4, "minute": 40}
